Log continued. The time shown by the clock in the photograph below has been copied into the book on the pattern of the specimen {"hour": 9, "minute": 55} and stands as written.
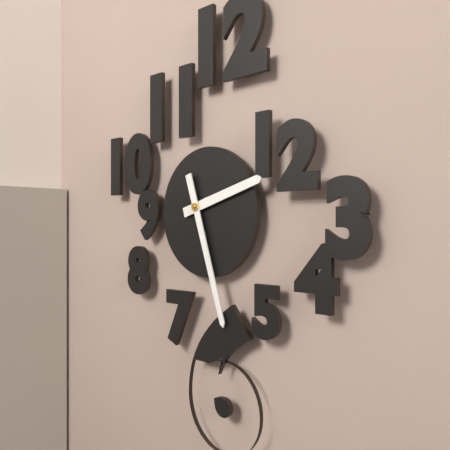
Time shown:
{"hour": 2, "minute": 27}
